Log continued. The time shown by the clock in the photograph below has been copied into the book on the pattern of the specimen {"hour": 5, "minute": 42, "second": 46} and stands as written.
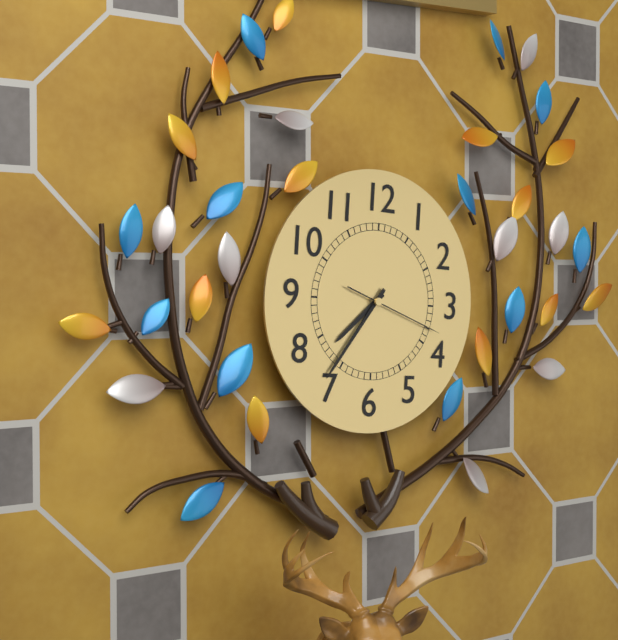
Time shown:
{"hour": 7, "minute": 36, "second": 18}
